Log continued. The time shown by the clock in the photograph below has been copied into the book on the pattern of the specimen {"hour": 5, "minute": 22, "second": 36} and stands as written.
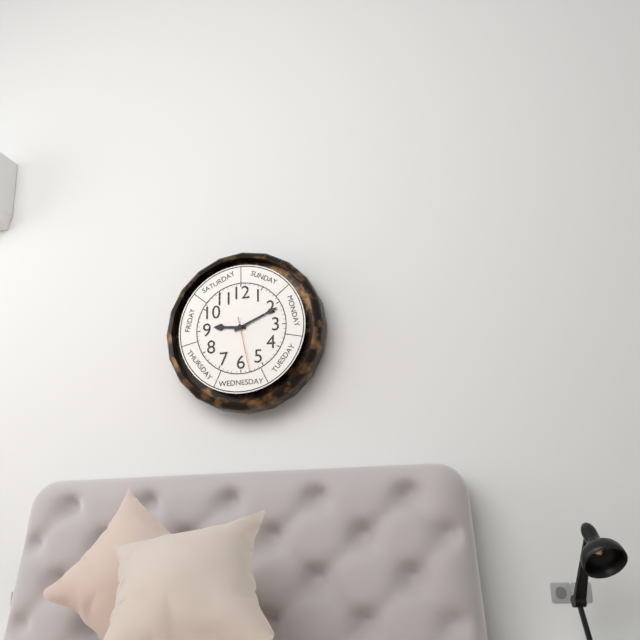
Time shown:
{"hour": 9, "minute": 11, "second": 28}
